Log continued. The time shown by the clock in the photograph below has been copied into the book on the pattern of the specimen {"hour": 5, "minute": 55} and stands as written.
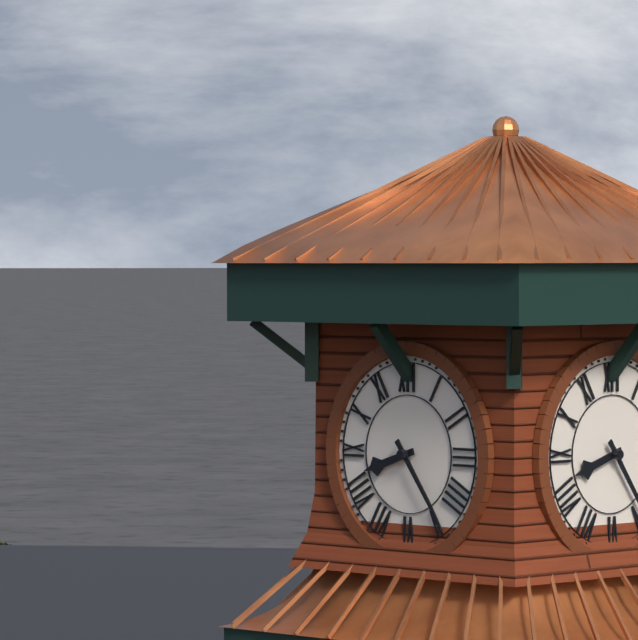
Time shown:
{"hour": 8, "minute": 24}
